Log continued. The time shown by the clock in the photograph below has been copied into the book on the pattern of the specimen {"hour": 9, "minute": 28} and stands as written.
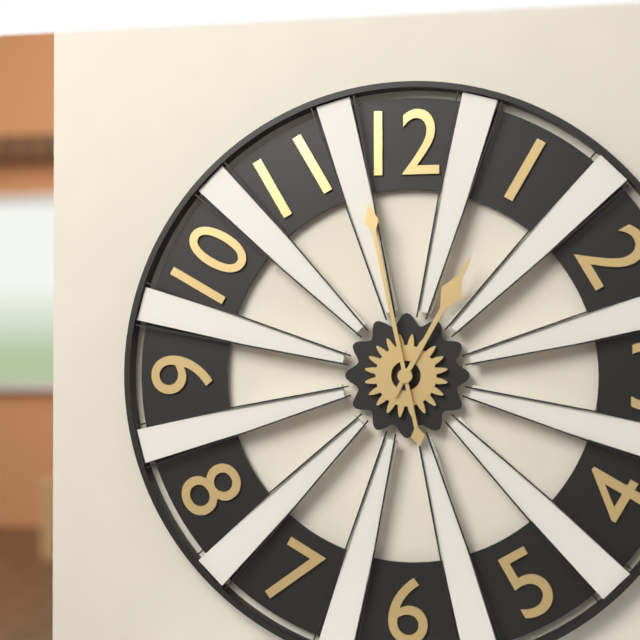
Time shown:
{"hour": 12, "minute": 58}
